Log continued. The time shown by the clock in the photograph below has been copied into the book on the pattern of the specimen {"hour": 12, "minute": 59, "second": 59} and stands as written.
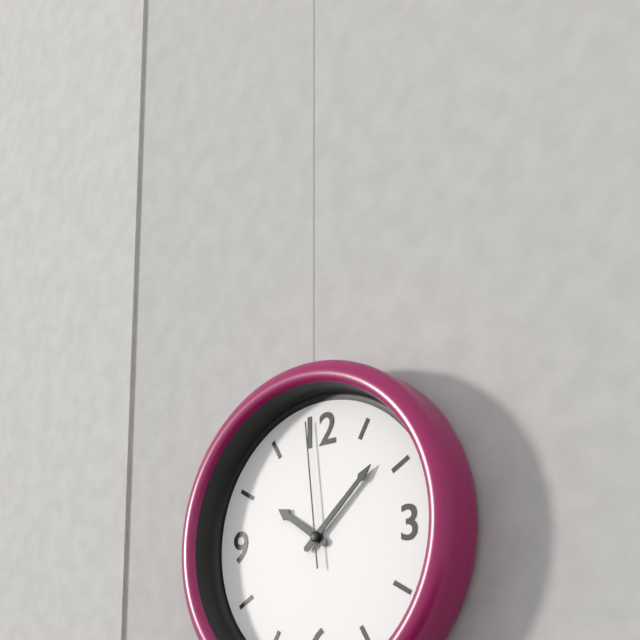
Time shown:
{"hour": 10, "minute": 8, "second": 59}
